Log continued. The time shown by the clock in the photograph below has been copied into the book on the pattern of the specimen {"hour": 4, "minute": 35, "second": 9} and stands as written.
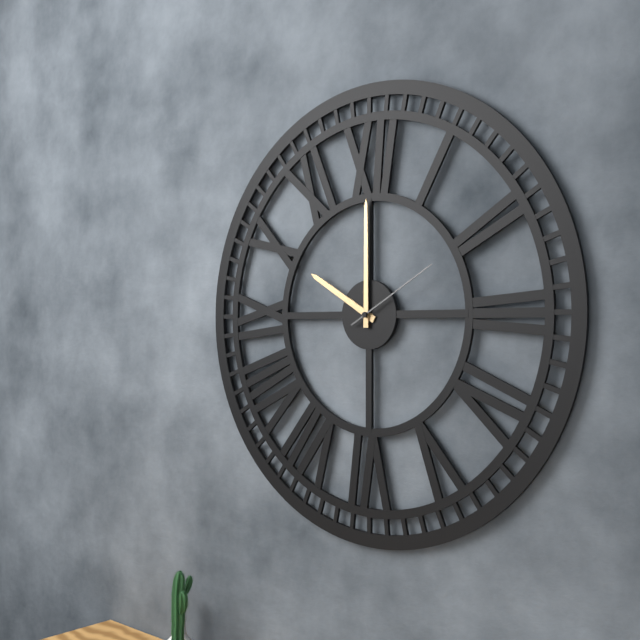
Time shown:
{"hour": 10, "minute": 0, "second": 10}
